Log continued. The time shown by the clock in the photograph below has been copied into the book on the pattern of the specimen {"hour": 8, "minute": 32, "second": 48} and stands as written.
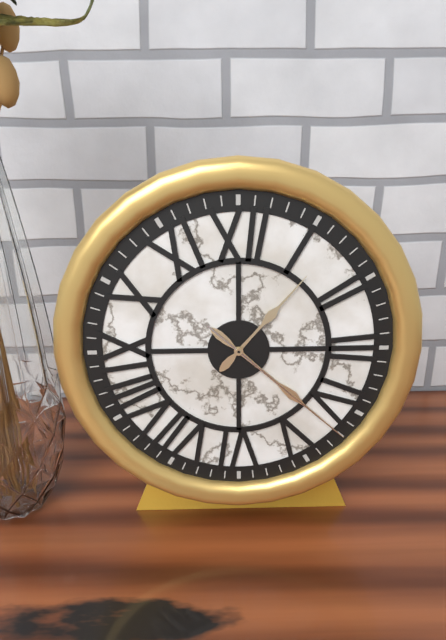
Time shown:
{"hour": 1, "minute": 22, "second": 22}
